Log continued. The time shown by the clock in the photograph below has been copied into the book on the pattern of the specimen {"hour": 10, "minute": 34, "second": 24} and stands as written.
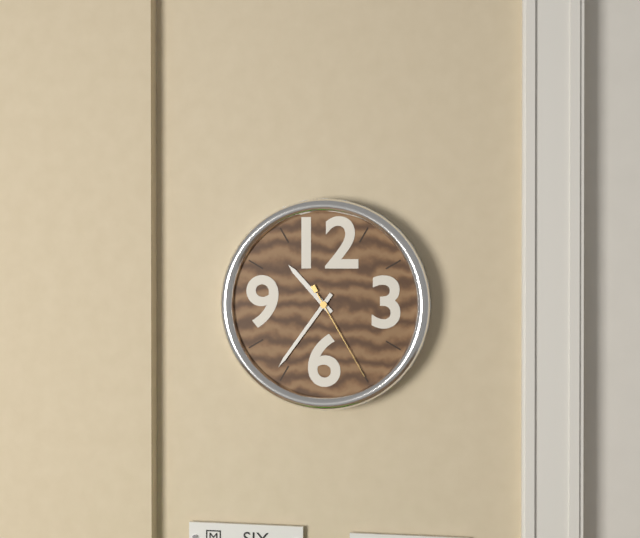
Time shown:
{"hour": 10, "minute": 36, "second": 25}
